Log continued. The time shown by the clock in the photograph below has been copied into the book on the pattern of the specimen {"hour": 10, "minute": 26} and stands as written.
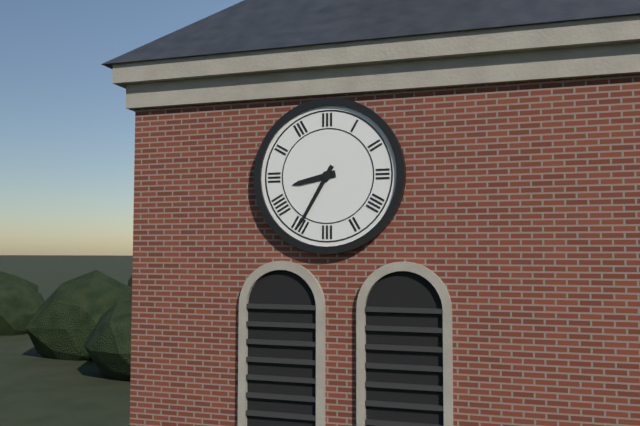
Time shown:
{"hour": 8, "minute": 35}
